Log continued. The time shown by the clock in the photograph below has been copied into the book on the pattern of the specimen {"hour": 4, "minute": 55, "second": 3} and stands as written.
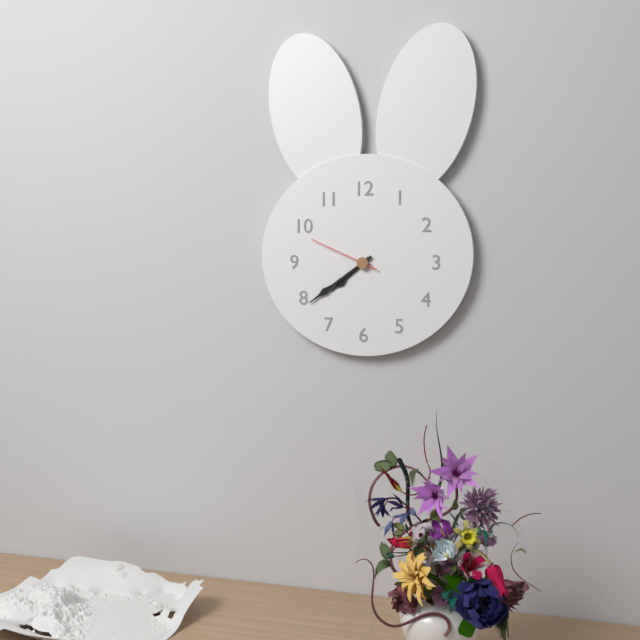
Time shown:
{"hour": 7, "minute": 39, "second": 49}
